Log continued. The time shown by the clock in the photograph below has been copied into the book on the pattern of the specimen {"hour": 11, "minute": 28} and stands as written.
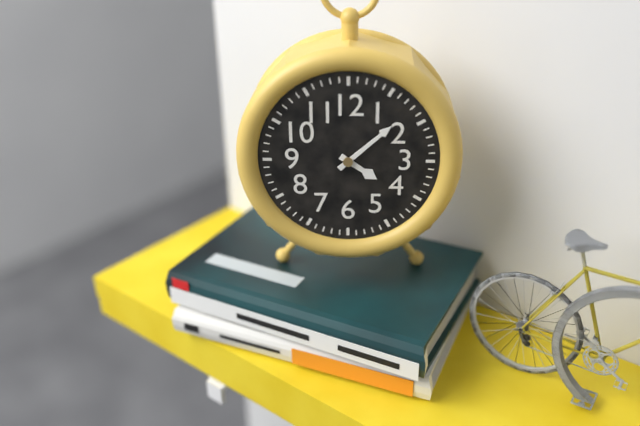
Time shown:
{"hour": 4, "minute": 8}
